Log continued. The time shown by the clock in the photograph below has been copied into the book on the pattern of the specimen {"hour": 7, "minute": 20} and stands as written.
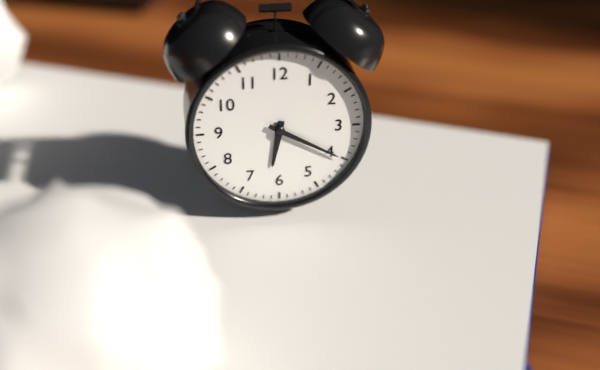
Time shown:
{"hour": 6, "minute": 20}
